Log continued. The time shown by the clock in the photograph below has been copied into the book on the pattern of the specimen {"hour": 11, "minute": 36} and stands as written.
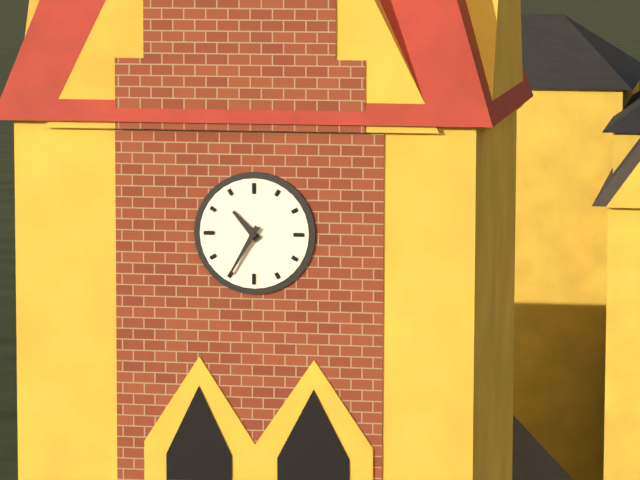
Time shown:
{"hour": 10, "minute": 35}
